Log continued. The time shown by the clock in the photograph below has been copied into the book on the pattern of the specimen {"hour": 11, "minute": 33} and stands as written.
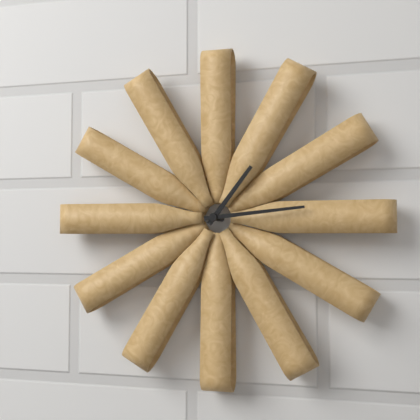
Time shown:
{"hour": 1, "minute": 14}
